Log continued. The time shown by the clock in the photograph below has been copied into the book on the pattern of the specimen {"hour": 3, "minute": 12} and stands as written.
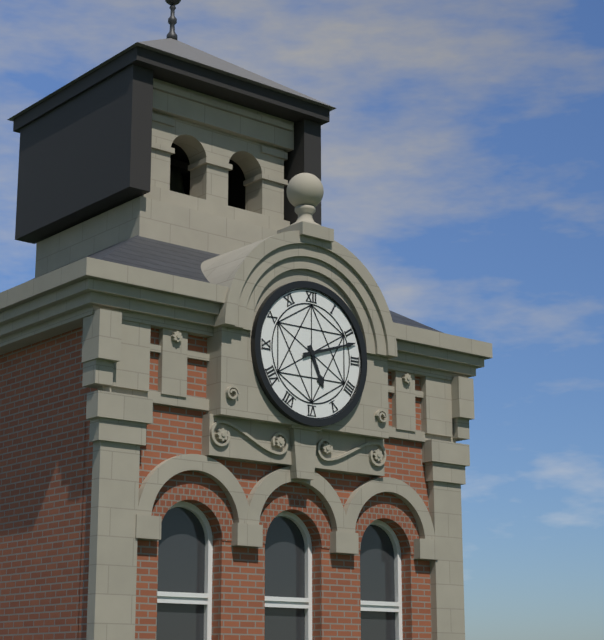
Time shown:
{"hour": 5, "minute": 12}
